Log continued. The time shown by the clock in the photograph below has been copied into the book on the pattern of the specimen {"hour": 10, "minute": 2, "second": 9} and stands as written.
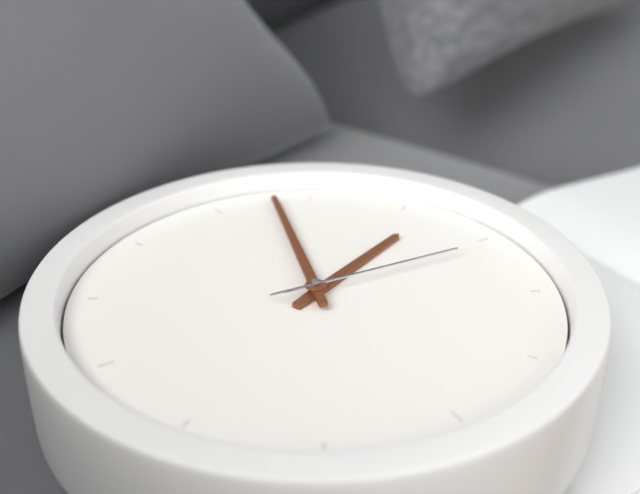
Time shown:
{"hour": 5, "minute": 18, "second": 31}
